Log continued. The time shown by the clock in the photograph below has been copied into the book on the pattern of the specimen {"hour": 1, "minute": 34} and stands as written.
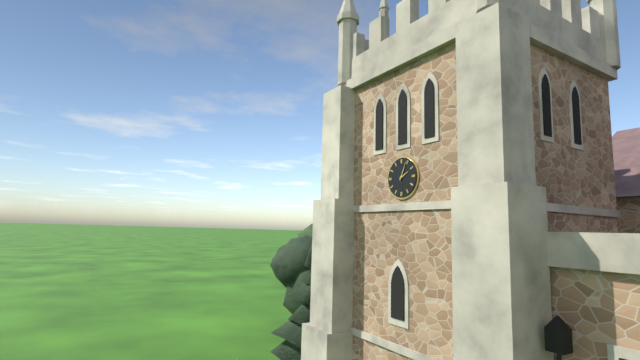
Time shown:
{"hour": 2, "minute": 4}
